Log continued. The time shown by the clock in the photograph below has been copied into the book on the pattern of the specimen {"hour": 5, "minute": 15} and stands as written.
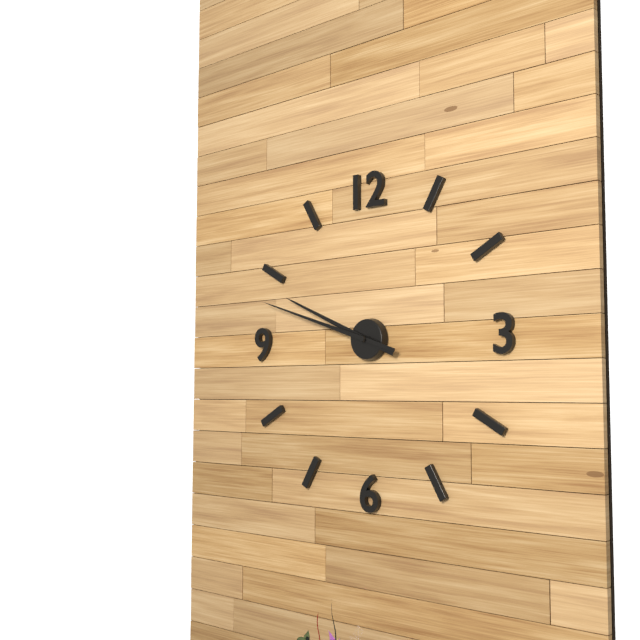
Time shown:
{"hour": 9, "minute": 48}
